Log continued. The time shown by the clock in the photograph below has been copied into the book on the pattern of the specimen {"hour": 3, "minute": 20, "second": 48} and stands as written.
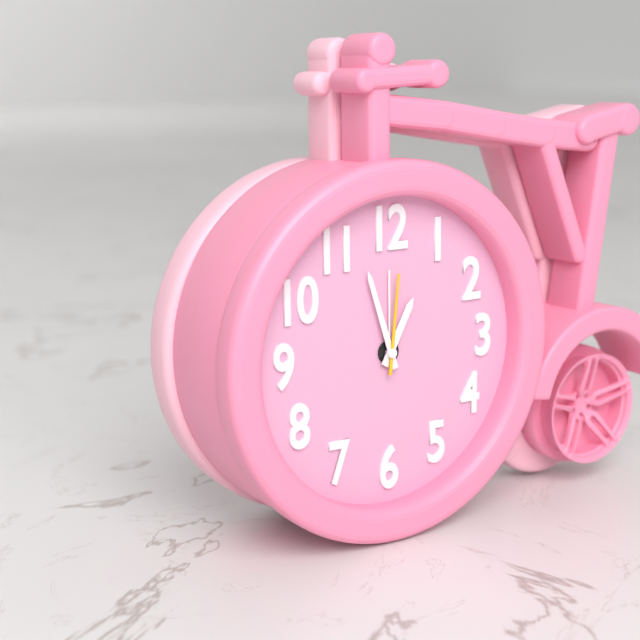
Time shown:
{"hour": 12, "minute": 57, "second": 1}
